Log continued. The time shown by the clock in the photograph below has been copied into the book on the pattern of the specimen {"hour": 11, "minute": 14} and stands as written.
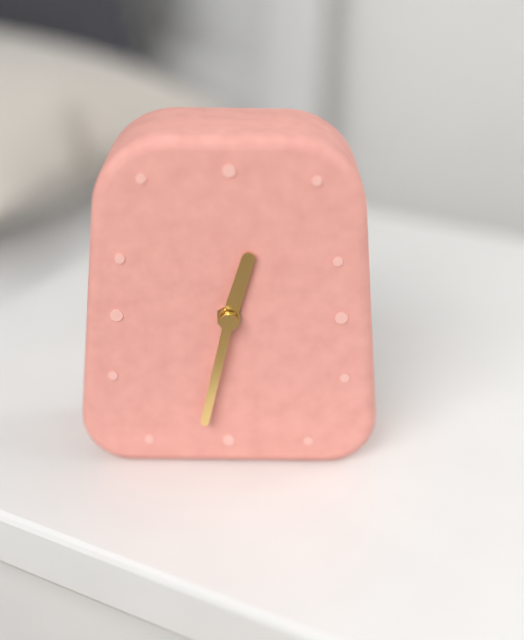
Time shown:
{"hour": 12, "minute": 32}
